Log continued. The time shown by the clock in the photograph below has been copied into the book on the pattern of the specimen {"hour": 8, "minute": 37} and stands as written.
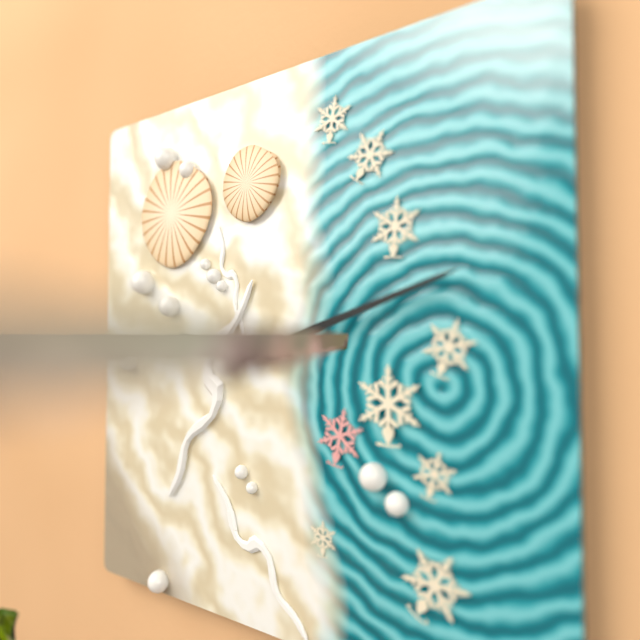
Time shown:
{"hour": 9, "minute": 12}
